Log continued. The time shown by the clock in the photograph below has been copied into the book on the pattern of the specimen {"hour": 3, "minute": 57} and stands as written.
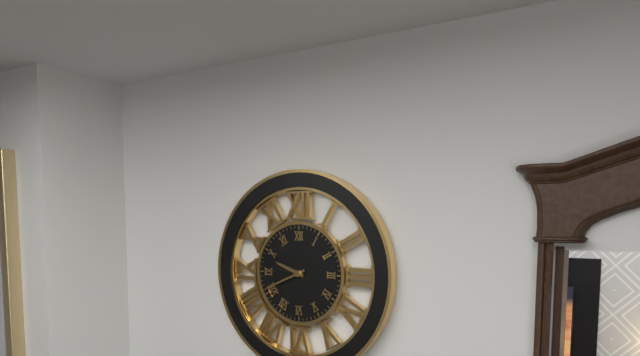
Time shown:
{"hour": 9, "minute": 41}
